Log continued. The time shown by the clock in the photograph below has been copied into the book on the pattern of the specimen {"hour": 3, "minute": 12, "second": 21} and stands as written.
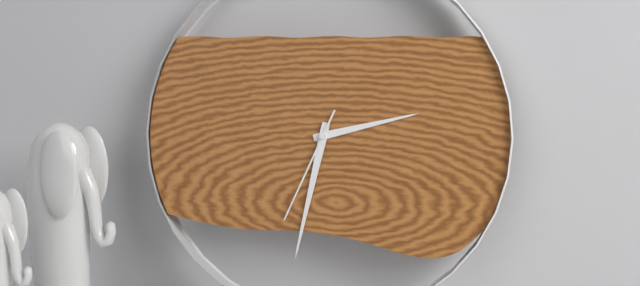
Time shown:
{"hour": 2, "minute": 32, "second": 34}
